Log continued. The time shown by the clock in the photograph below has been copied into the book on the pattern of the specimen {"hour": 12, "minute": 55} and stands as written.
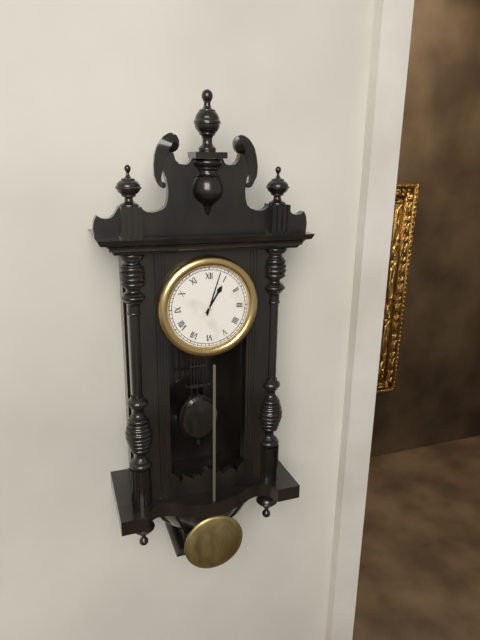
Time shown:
{"hour": 1, "minute": 3}
